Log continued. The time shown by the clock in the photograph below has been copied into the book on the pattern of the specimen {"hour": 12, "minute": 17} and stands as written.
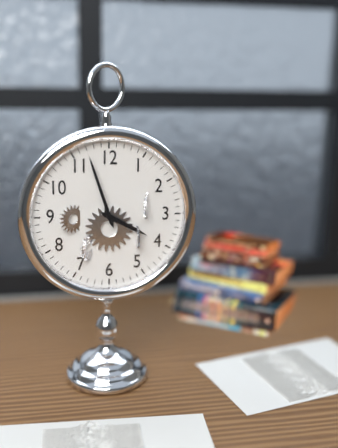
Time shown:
{"hour": 3, "minute": 57}
